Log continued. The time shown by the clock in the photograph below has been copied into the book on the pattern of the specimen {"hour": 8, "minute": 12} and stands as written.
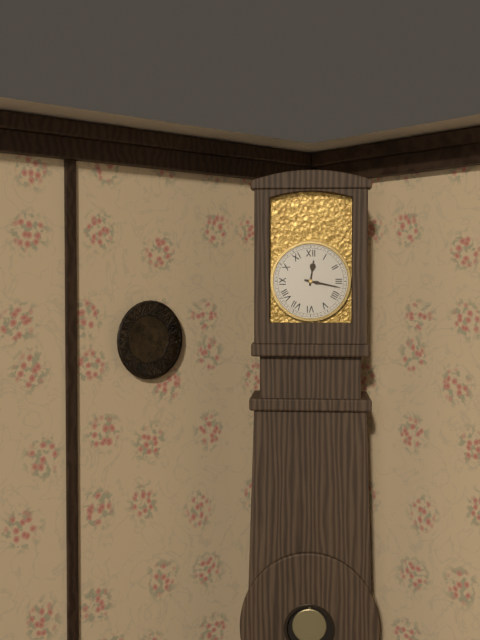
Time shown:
{"hour": 12, "minute": 17}
